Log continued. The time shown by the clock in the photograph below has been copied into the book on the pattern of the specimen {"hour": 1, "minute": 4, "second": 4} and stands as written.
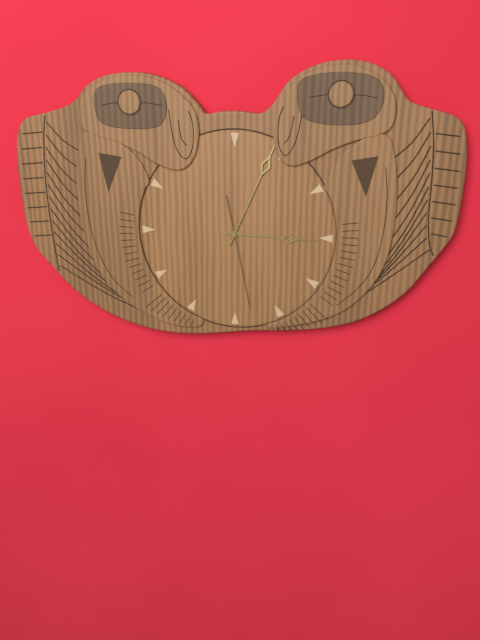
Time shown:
{"hour": 3, "minute": 4, "second": 28}
